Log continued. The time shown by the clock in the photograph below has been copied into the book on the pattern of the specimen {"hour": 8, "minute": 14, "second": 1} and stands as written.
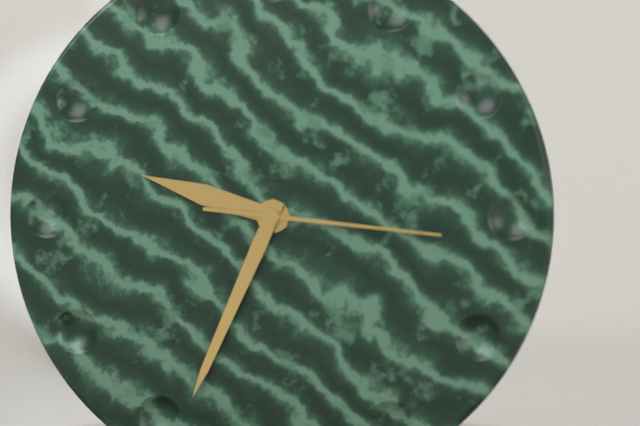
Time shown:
{"hour": 9, "minute": 34, "second": 16}
